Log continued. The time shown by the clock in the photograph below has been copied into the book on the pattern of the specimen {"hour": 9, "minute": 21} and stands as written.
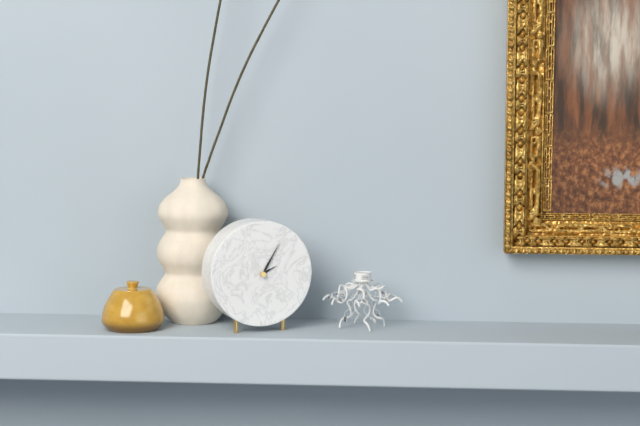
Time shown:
{"hour": 2, "minute": 5}
